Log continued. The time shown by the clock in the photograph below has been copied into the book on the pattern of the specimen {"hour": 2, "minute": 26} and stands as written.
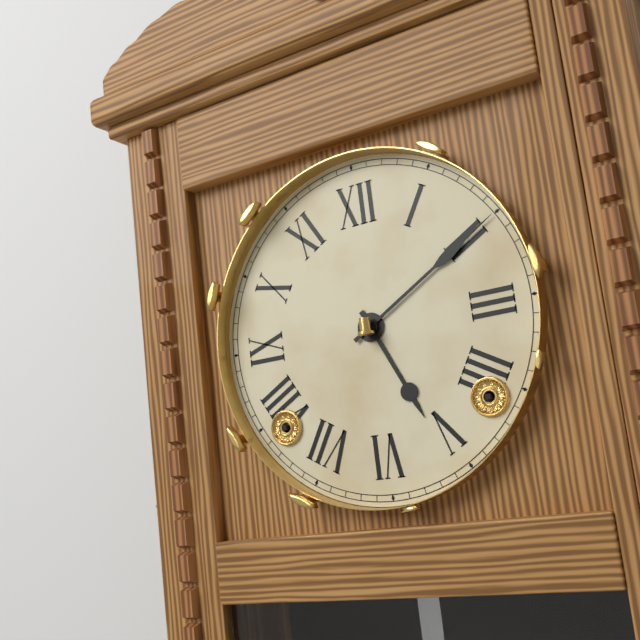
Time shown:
{"hour": 5, "minute": 10}
